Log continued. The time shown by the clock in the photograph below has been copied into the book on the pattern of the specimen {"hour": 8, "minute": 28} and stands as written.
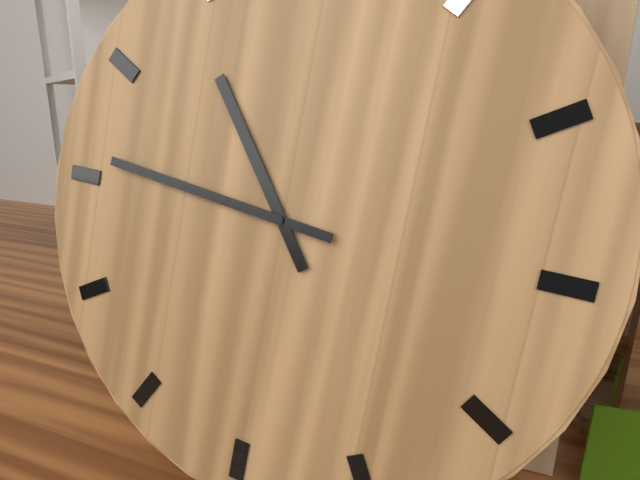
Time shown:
{"hour": 10, "minute": 46}
